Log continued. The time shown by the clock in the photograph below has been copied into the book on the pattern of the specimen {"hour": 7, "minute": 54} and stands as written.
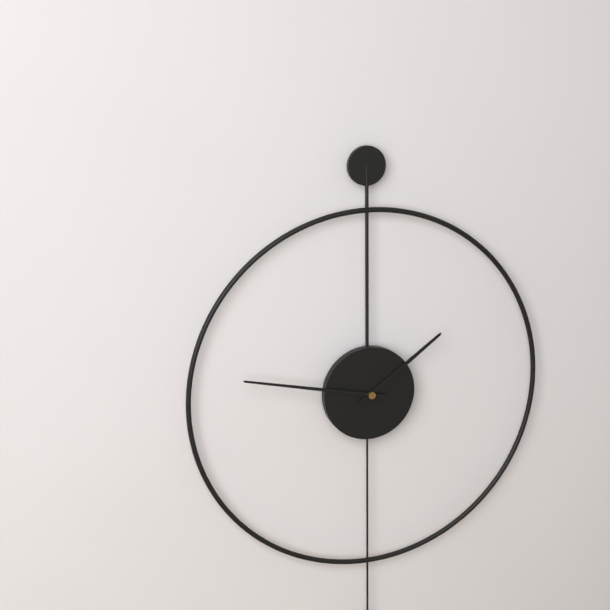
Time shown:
{"hour": 1, "minute": 47}
